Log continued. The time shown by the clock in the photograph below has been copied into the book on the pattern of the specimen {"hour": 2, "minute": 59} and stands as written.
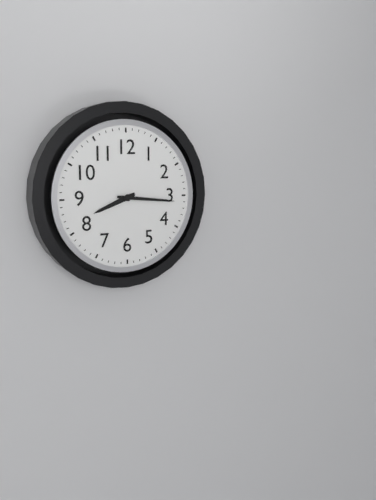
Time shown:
{"hour": 8, "minute": 16}
